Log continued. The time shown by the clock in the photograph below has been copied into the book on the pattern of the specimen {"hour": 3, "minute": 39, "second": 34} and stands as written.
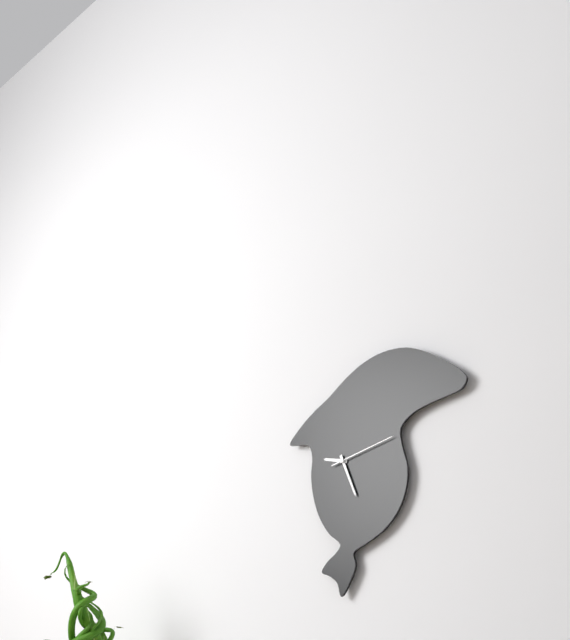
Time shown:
{"hour": 9, "minute": 26, "second": 13}
